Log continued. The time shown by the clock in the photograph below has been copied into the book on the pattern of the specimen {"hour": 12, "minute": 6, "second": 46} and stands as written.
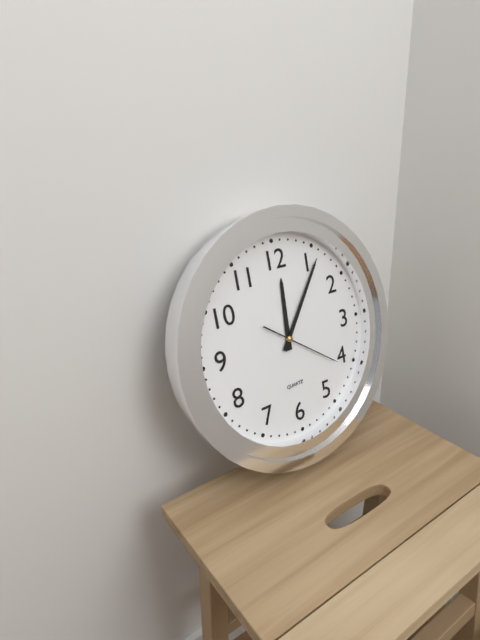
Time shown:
{"hour": 12, "minute": 6, "second": 21}
